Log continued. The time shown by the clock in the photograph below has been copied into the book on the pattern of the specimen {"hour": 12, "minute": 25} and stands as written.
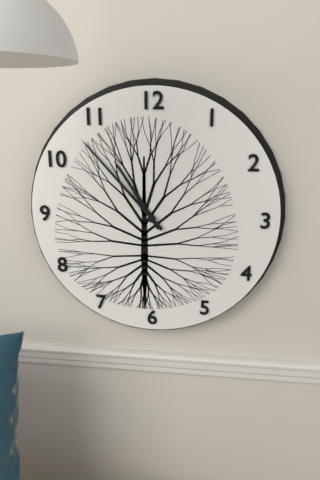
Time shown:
{"hour": 10, "minute": 53}
